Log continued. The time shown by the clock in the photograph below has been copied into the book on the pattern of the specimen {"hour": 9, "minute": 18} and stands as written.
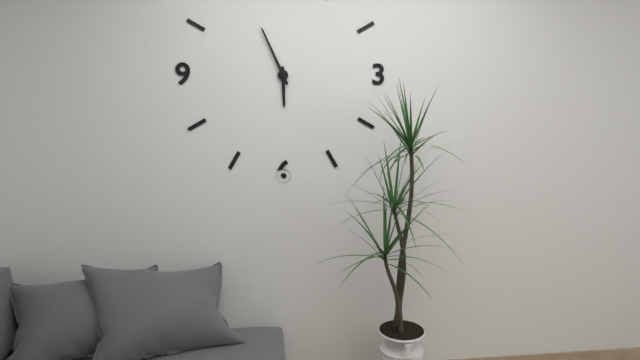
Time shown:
{"hour": 5, "minute": 56}
